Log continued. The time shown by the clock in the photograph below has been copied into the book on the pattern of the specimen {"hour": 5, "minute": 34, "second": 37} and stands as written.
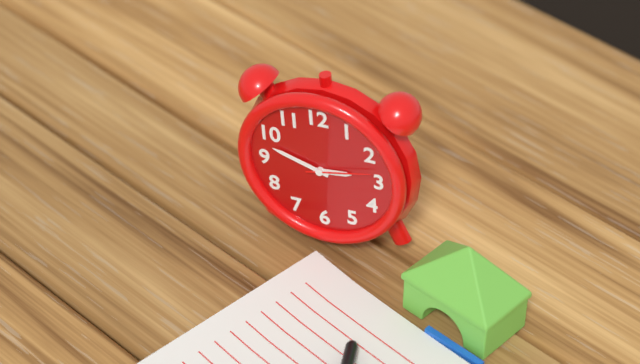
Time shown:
{"hour": 2, "minute": 48, "second": 13}
